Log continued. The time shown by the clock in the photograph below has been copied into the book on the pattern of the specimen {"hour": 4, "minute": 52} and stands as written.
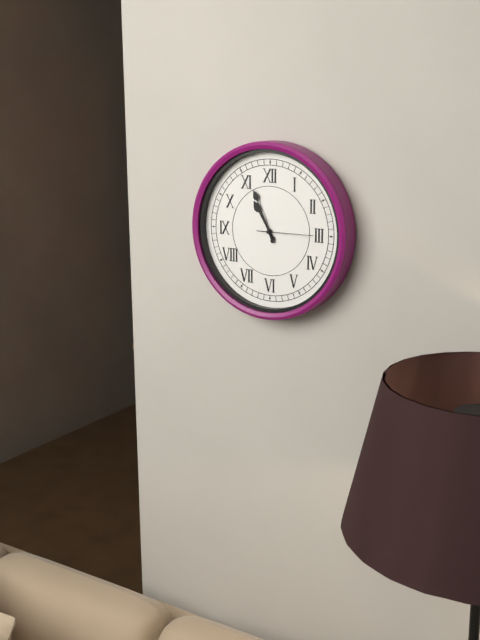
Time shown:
{"hour": 10, "minute": 56}
